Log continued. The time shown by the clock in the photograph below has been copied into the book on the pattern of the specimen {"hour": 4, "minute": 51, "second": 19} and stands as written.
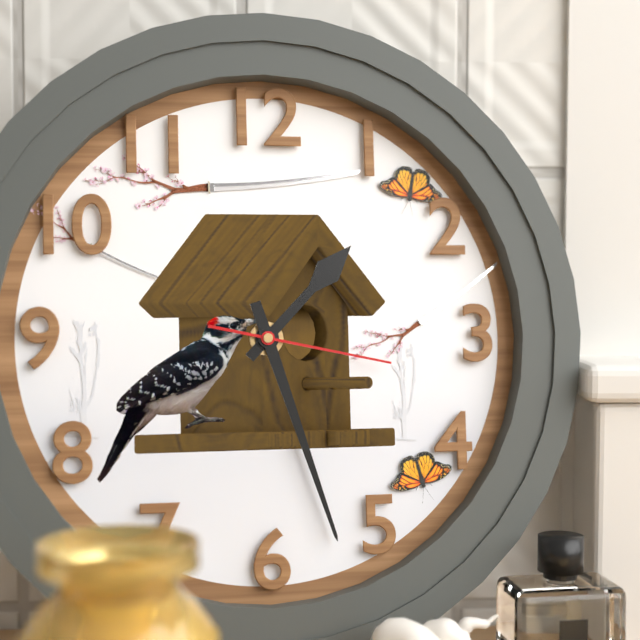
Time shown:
{"hour": 1, "minute": 27, "second": 17}
